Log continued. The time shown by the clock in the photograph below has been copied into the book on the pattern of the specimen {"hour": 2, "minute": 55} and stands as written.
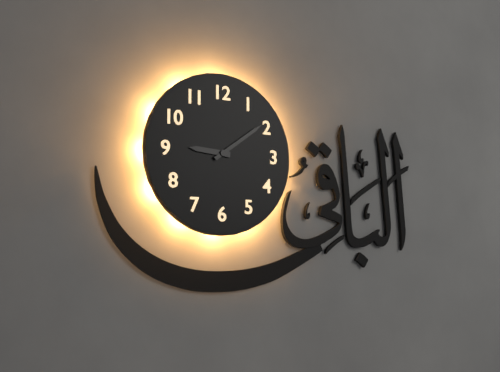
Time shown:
{"hour": 9, "minute": 9}
